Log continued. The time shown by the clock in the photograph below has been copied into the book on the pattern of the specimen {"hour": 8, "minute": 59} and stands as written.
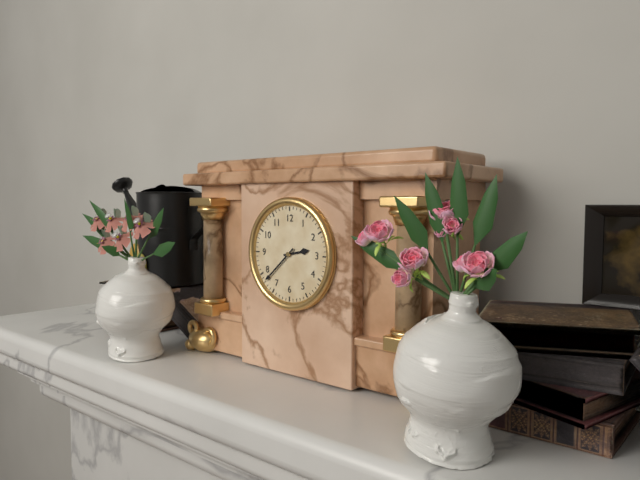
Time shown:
{"hour": 2, "minute": 38}
